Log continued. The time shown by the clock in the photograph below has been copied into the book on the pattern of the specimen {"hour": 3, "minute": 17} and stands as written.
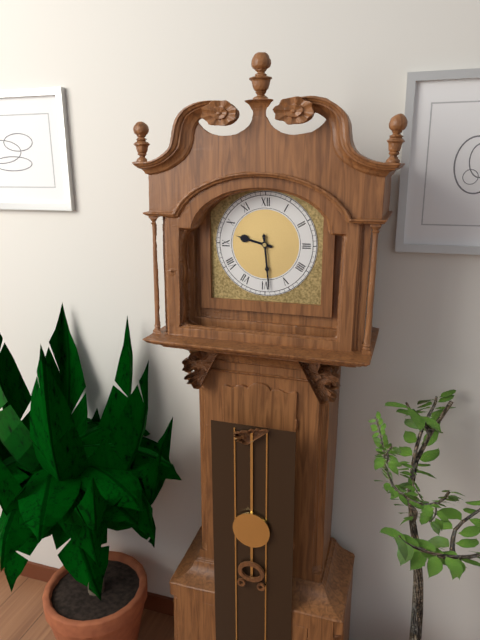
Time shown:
{"hour": 9, "minute": 29}
